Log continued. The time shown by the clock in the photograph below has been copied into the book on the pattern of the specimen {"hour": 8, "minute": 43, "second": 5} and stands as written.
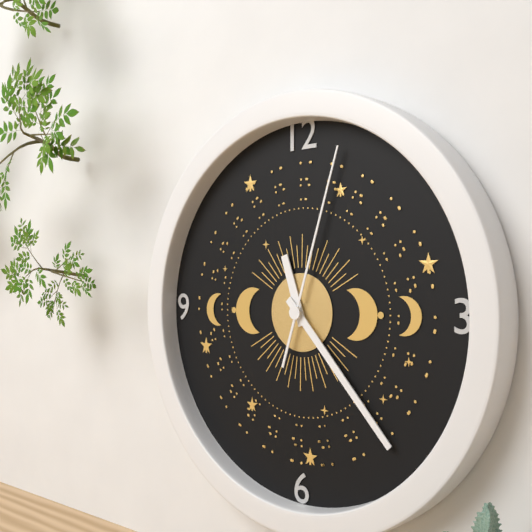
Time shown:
{"hour": 11, "minute": 23, "second": 3}
